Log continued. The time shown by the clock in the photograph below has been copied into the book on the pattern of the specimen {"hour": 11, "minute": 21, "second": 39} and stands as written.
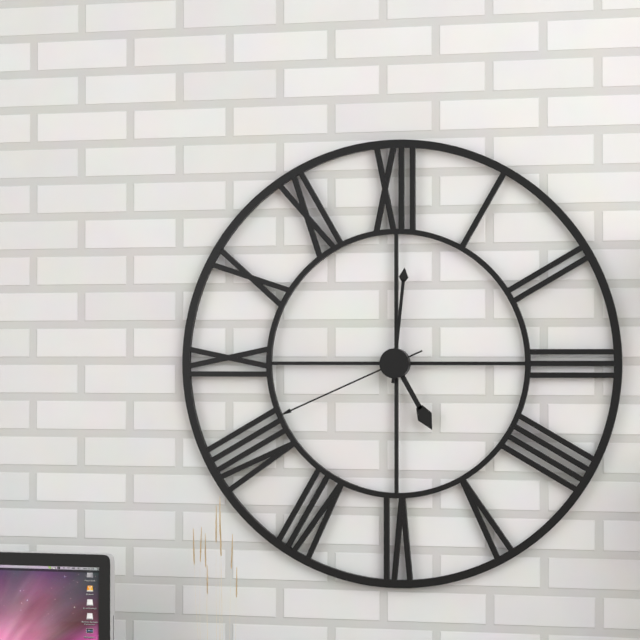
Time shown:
{"hour": 5, "minute": 1, "second": 41}
